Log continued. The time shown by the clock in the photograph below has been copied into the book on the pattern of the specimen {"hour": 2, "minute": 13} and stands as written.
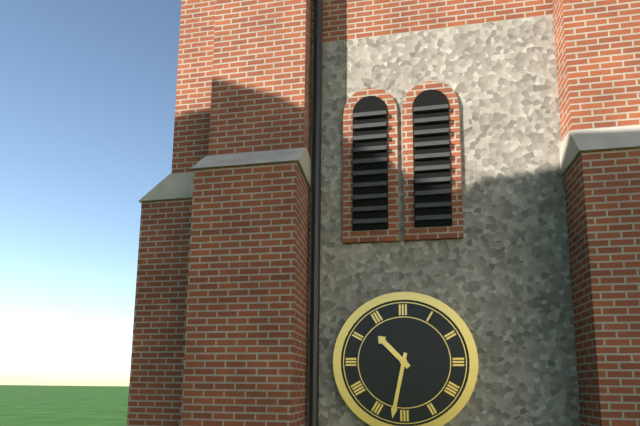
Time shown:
{"hour": 10, "minute": 32}
